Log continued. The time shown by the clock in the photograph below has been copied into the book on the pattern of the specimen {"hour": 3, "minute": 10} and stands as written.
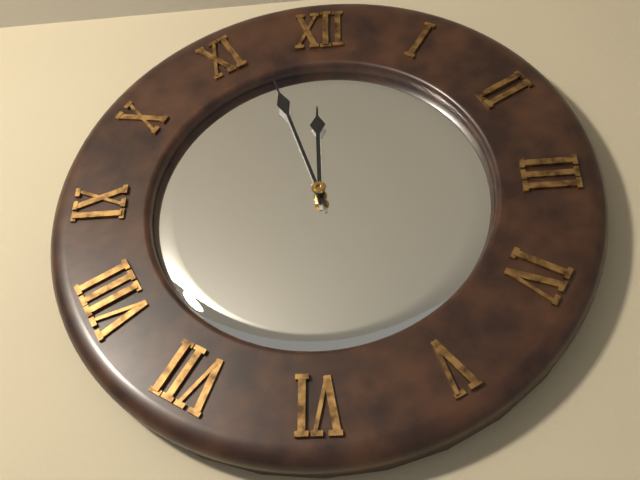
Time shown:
{"hour": 11, "minute": 57}
